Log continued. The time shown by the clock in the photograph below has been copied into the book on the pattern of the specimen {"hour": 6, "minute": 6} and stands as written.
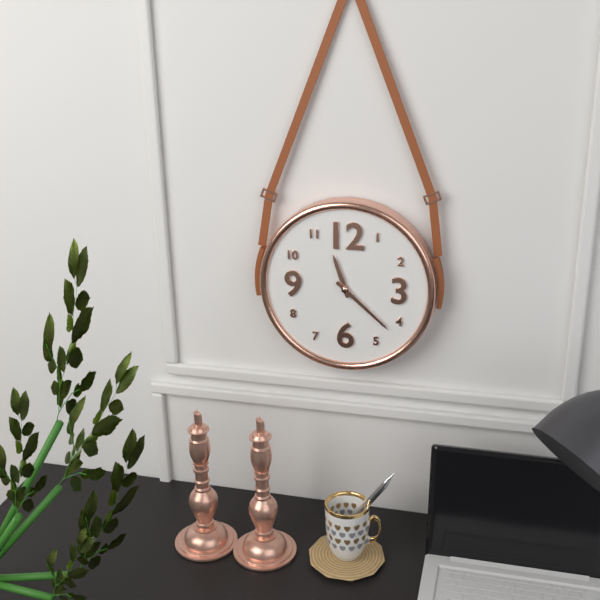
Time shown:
{"hour": 11, "minute": 22}
